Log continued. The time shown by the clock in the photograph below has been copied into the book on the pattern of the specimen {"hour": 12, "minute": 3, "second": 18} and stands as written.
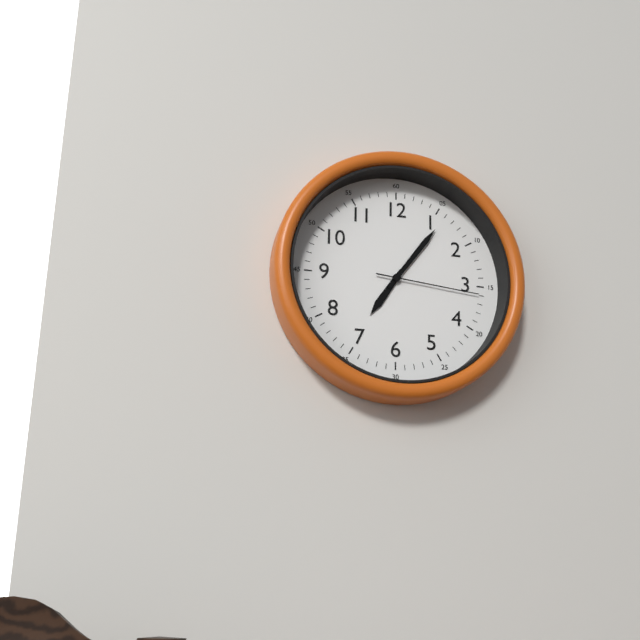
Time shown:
{"hour": 7, "minute": 6, "second": 16}
